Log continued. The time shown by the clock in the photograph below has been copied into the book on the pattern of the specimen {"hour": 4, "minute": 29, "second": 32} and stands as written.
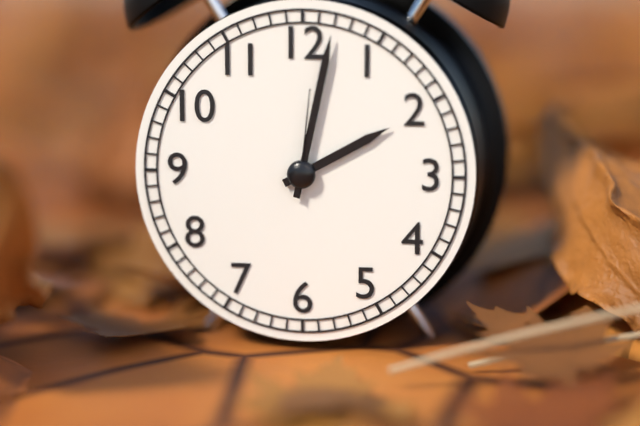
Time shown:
{"hour": 2, "minute": 2, "second": 1}
